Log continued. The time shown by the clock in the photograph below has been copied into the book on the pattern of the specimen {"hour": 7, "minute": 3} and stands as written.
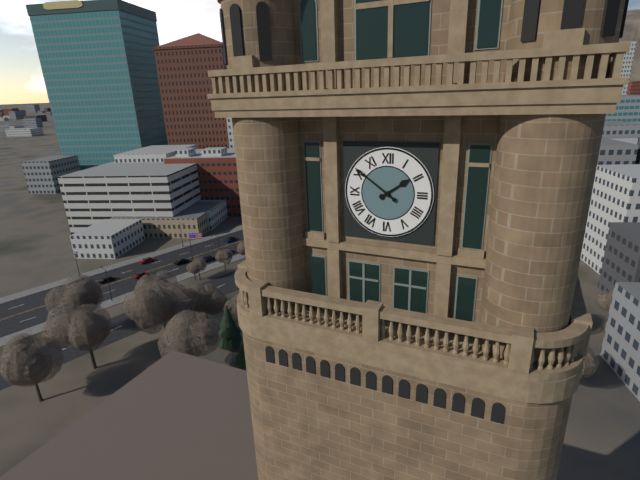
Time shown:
{"hour": 1, "minute": 51}
